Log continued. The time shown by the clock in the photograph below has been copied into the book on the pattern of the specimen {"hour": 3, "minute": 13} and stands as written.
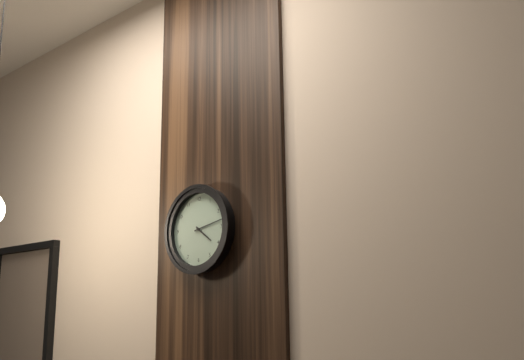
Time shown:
{"hour": 4, "minute": 13}
